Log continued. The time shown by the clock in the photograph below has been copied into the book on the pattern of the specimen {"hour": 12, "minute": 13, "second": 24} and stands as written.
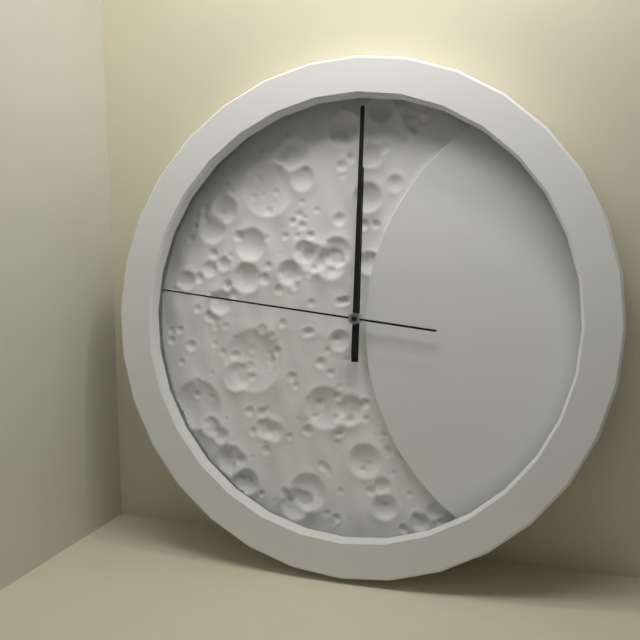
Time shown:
{"hour": 12, "minute": 0, "second": 46}
